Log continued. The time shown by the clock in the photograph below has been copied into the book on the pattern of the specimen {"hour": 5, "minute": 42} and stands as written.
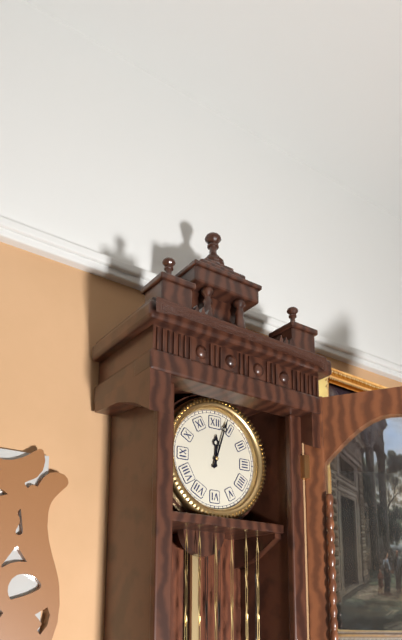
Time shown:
{"hour": 12, "minute": 3}
